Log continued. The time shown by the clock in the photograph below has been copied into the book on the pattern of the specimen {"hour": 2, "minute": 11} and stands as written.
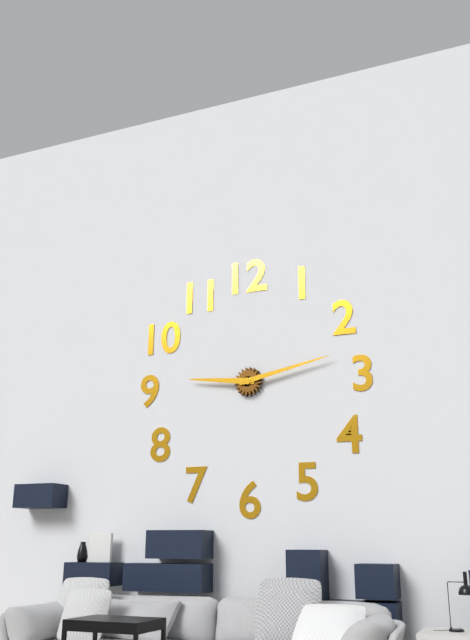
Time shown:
{"hour": 9, "minute": 13}
